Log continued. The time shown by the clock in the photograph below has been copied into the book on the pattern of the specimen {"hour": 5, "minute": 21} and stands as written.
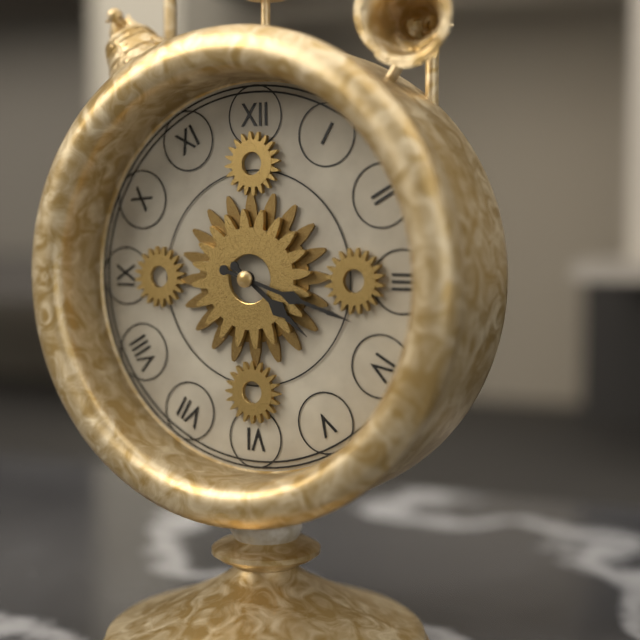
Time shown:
{"hour": 4, "minute": 18}
